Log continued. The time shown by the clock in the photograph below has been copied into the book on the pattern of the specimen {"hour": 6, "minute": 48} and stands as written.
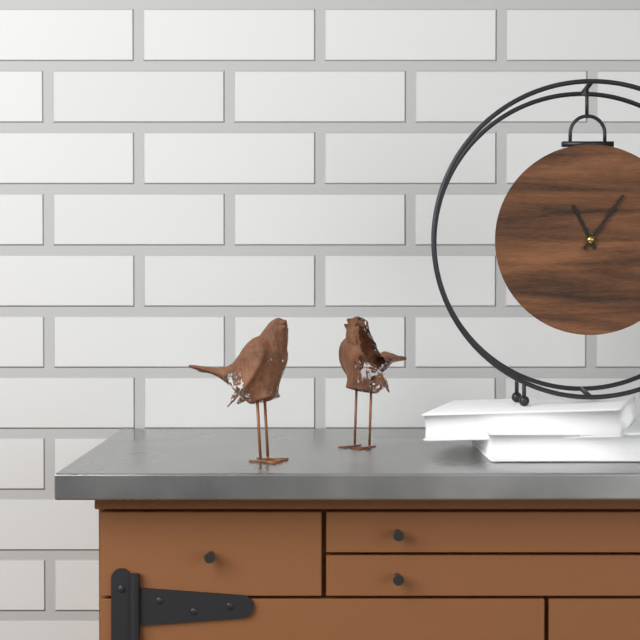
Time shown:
{"hour": 11, "minute": 6}
